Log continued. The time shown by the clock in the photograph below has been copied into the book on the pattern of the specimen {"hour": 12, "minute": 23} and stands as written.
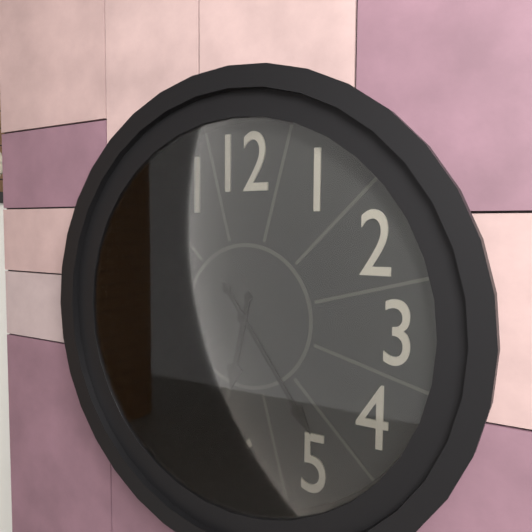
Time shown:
{"hour": 6, "minute": 24}
